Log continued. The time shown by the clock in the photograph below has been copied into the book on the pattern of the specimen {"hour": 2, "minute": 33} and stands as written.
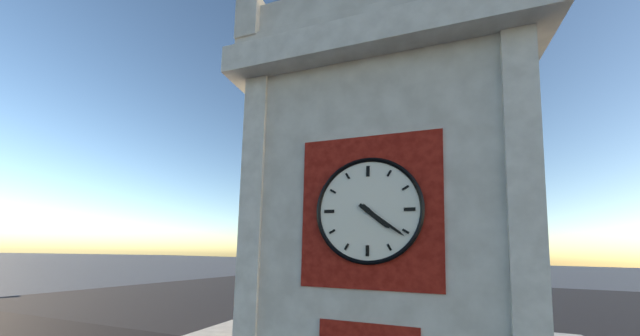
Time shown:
{"hour": 4, "minute": 21}
